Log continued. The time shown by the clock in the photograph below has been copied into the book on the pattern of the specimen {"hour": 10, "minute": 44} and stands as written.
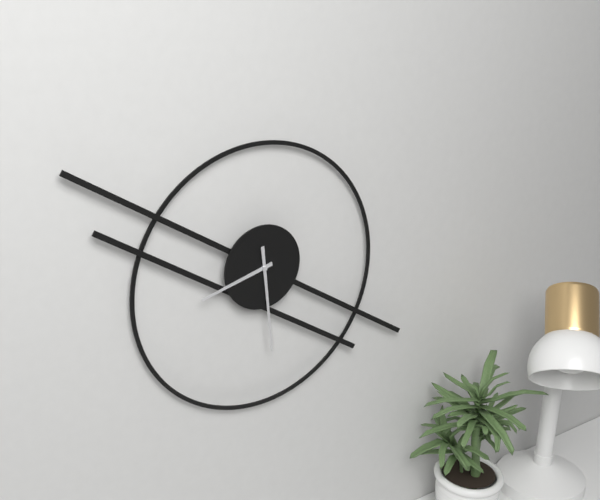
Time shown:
{"hour": 8, "minute": 29}
